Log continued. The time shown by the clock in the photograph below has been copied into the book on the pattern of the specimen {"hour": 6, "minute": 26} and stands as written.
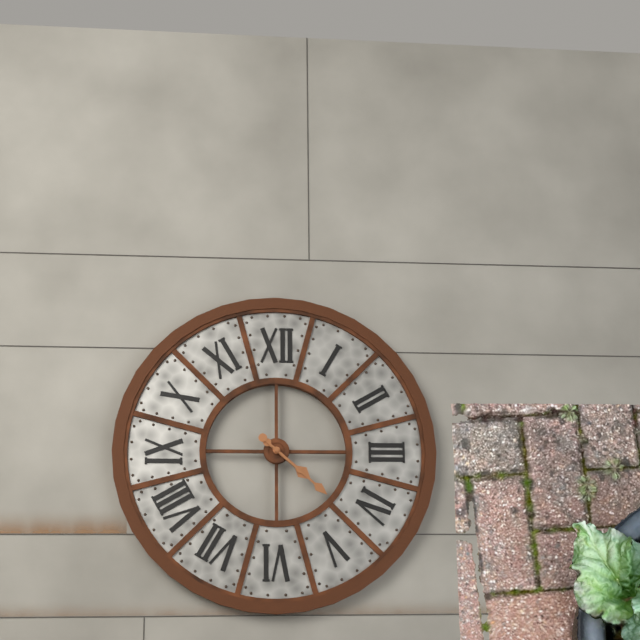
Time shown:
{"hour": 4, "minute": 22}
